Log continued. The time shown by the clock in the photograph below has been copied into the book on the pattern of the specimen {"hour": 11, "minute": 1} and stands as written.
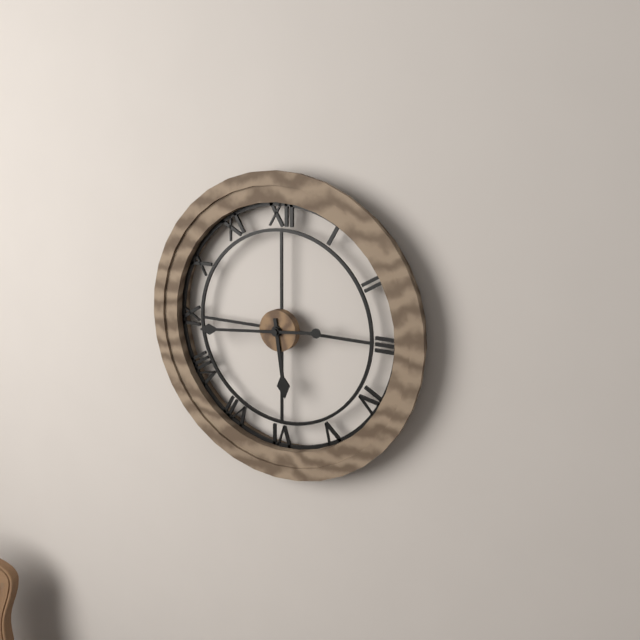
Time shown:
{"hour": 5, "minute": 44}
